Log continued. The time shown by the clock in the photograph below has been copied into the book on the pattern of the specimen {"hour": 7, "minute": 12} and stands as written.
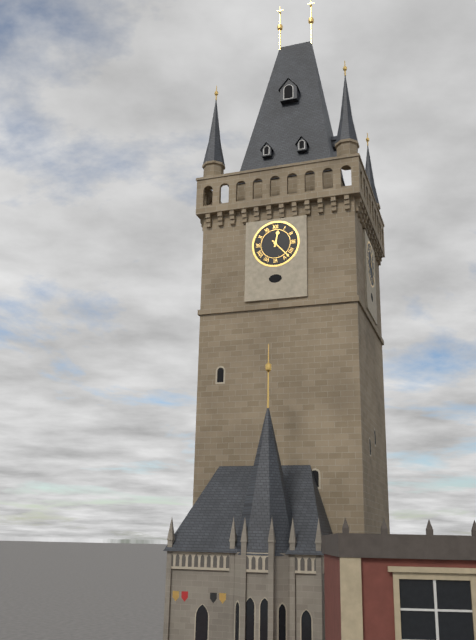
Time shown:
{"hour": 12, "minute": 23}
